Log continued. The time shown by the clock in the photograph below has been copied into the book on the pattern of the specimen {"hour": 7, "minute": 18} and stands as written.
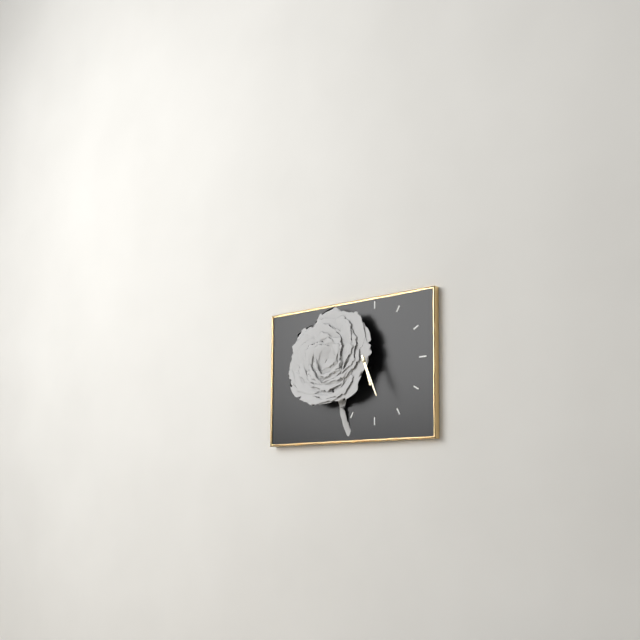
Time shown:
{"hour": 5, "minute": 26}
